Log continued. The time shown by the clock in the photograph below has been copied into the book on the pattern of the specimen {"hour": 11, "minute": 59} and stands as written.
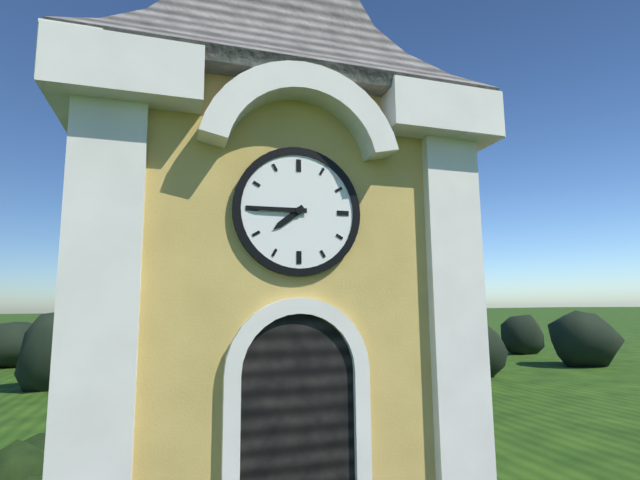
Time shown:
{"hour": 7, "minute": 45}
